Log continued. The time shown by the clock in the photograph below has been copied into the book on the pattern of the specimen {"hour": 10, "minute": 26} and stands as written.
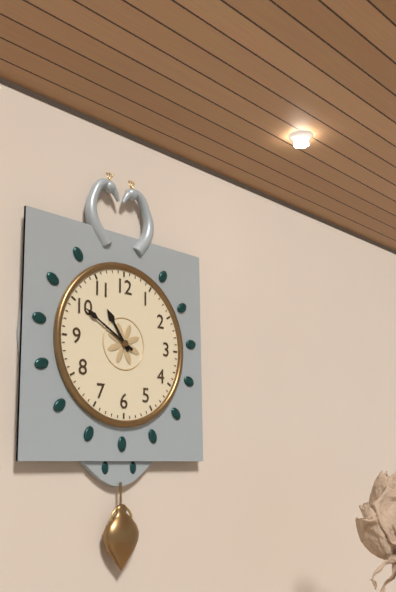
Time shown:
{"hour": 10, "minute": 50}
